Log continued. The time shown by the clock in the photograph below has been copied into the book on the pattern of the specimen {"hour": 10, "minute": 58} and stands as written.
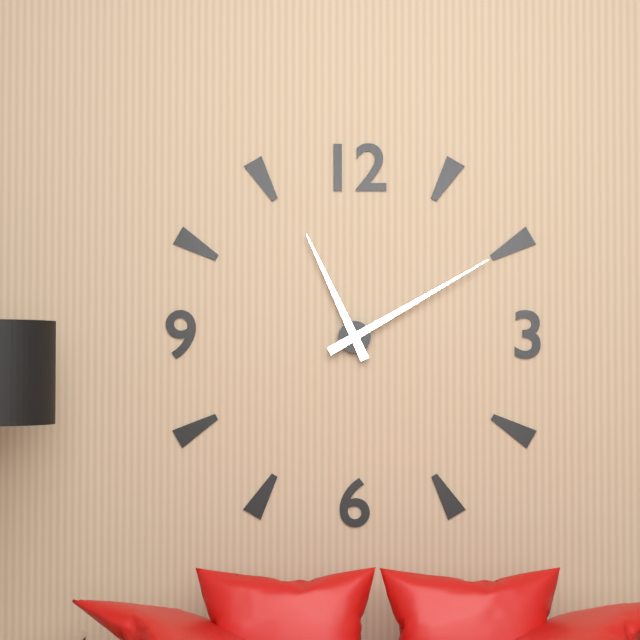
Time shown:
{"hour": 11, "minute": 10}
